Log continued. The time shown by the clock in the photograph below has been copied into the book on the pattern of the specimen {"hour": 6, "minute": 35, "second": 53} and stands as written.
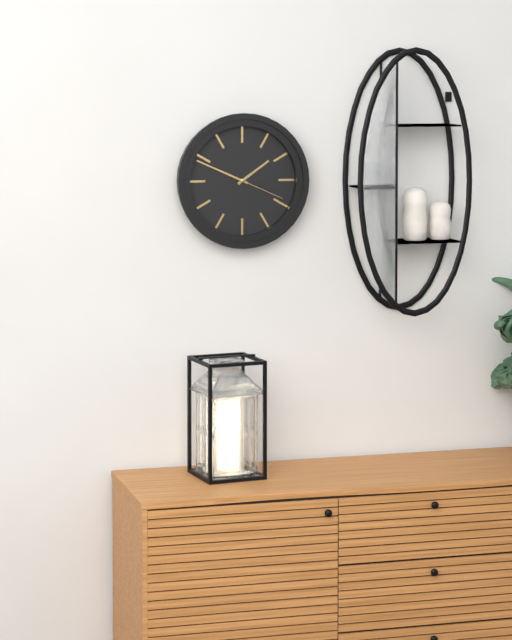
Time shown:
{"hour": 1, "minute": 49, "second": 19}
